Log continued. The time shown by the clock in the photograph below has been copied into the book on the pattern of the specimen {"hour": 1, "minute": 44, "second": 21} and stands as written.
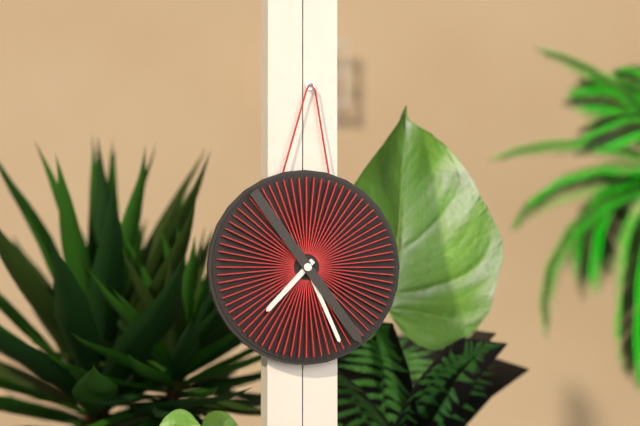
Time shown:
{"hour": 7, "minute": 26, "second": 24}
